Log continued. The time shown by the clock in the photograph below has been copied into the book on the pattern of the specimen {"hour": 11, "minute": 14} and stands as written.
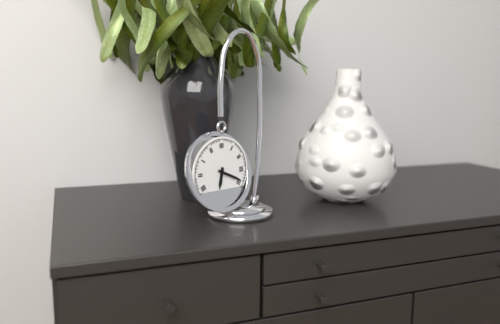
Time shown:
{"hour": 6, "minute": 19}
